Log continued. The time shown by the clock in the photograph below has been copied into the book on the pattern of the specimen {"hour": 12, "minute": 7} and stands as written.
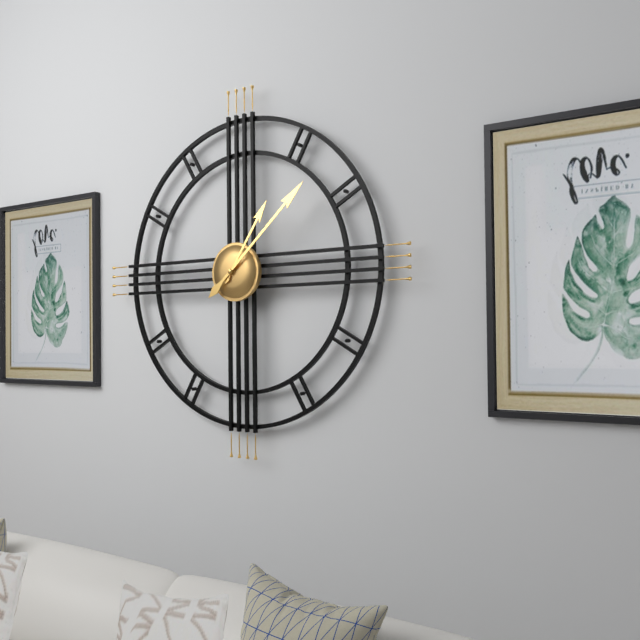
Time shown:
{"hour": 1, "minute": 8}
